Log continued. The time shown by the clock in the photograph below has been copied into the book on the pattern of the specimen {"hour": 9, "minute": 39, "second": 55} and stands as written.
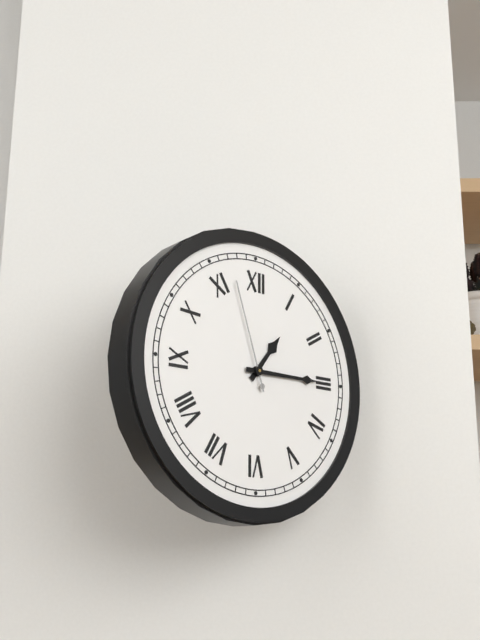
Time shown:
{"hour": 1, "minute": 15, "second": 57}
